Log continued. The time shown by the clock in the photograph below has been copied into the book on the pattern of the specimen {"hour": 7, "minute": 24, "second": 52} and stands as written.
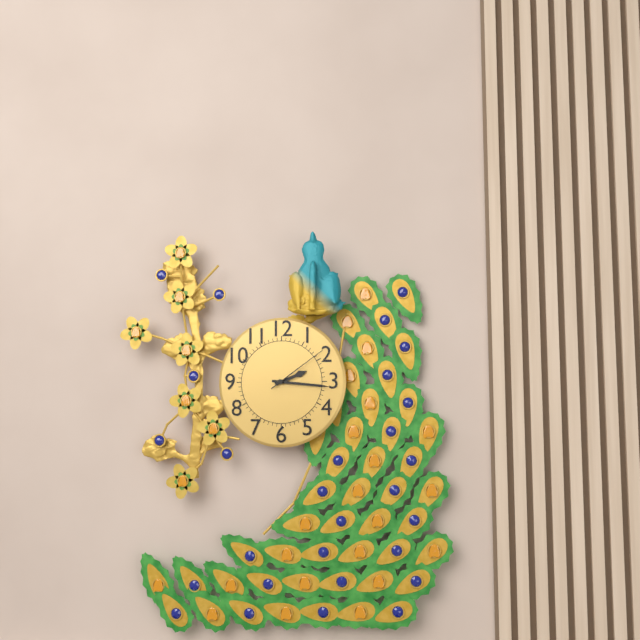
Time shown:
{"hour": 2, "minute": 16, "second": 9}
